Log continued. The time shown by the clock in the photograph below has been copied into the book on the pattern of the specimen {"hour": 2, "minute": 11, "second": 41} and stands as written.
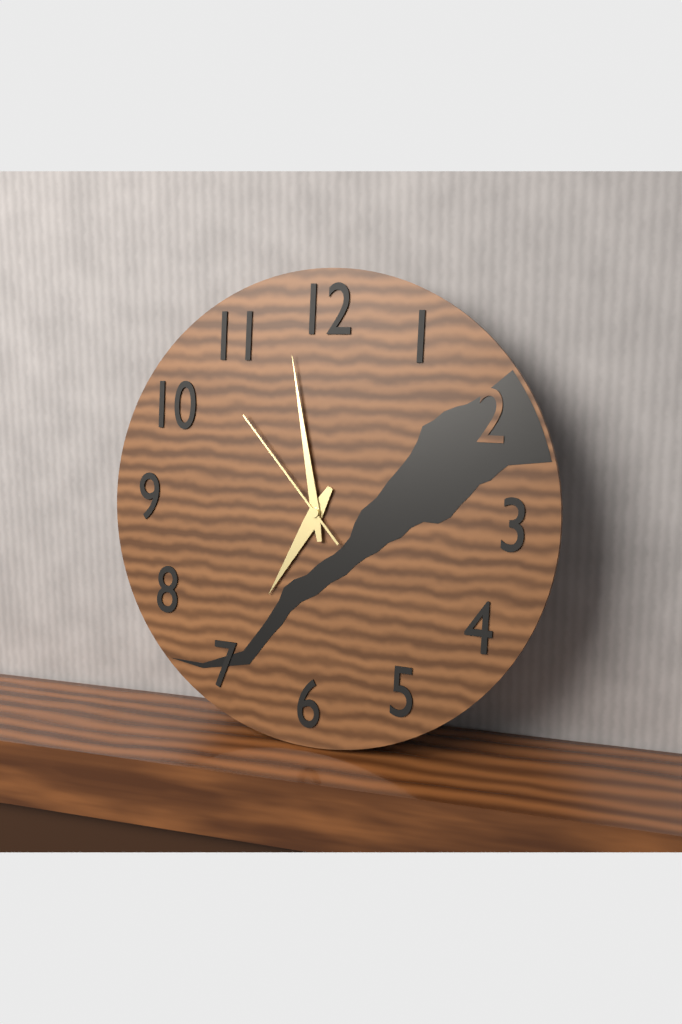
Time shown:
{"hour": 6, "minute": 58, "second": 53}
